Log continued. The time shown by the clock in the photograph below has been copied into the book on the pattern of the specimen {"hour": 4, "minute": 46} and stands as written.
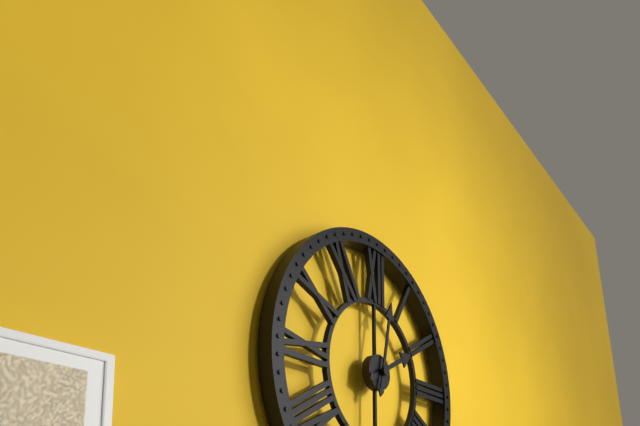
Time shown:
{"hour": 2, "minute": 2}
